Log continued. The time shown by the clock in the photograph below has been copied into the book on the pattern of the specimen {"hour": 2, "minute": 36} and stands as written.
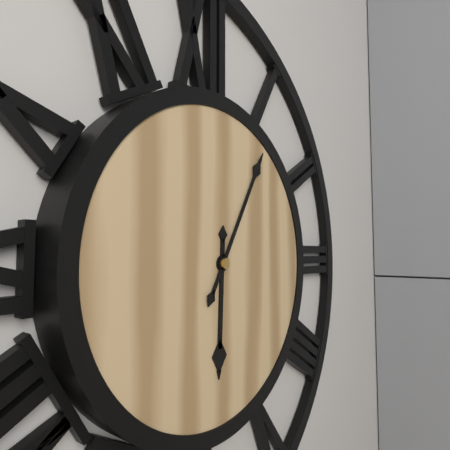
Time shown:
{"hour": 6, "minute": 5}
